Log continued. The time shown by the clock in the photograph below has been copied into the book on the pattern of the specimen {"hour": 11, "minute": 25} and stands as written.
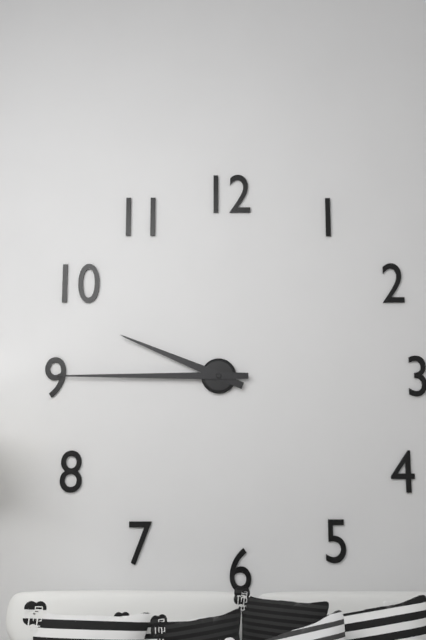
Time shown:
{"hour": 9, "minute": 45}
